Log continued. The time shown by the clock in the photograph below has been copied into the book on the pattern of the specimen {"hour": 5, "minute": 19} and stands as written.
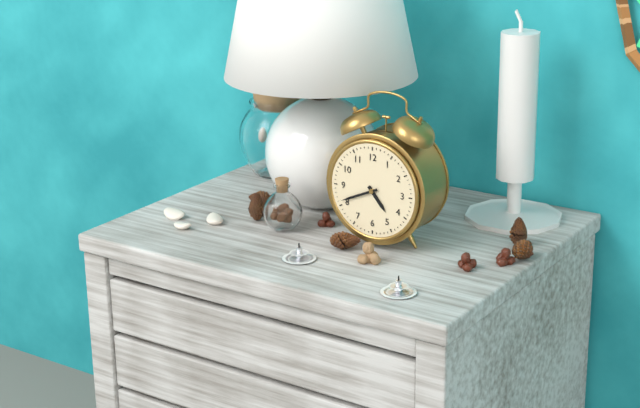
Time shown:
{"hour": 4, "minute": 41}
